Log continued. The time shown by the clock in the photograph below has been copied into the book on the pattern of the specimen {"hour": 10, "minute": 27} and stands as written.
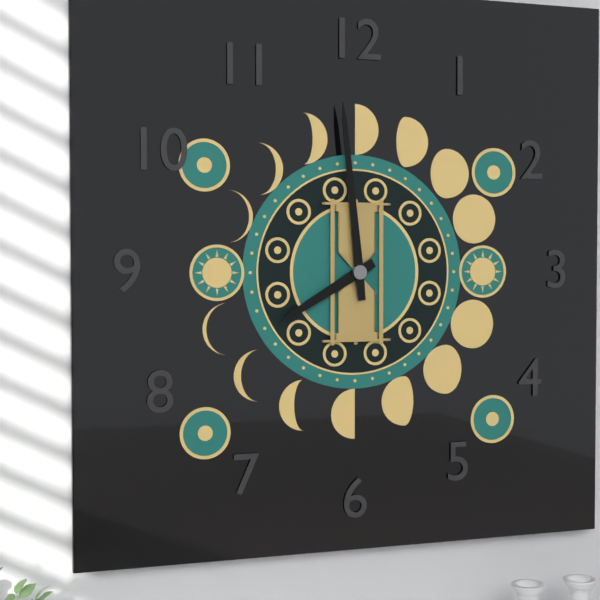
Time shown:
{"hour": 7, "minute": 59}
